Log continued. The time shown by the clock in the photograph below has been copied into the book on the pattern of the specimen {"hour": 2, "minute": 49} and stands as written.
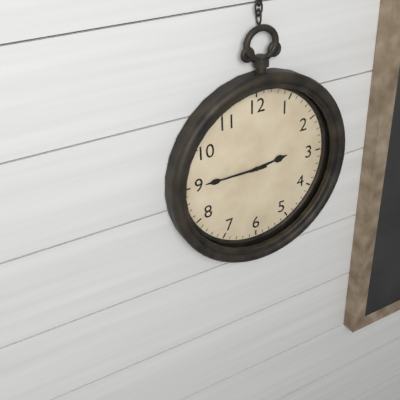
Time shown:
{"hour": 2, "minute": 45}
